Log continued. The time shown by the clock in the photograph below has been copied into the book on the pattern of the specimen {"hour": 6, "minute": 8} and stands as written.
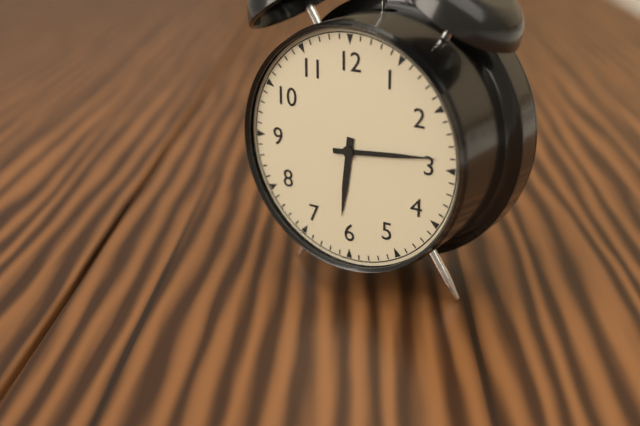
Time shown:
{"hour": 6, "minute": 14}
